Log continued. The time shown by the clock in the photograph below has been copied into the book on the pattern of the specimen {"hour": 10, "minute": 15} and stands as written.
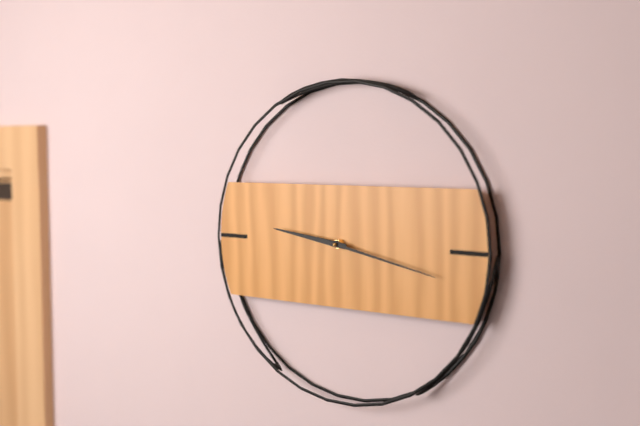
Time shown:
{"hour": 9, "minute": 17}
